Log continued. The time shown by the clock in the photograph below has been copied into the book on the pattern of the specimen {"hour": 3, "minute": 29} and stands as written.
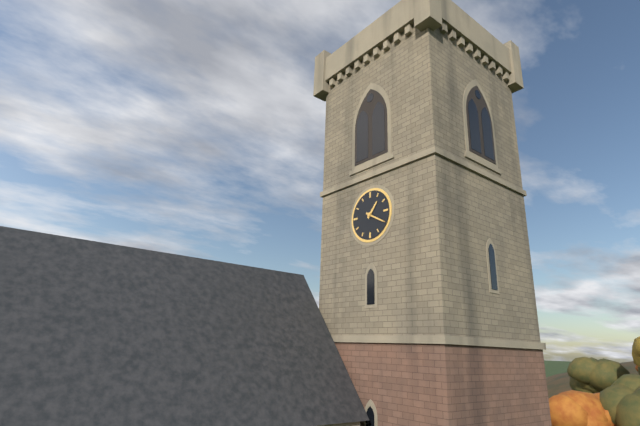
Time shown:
{"hour": 1, "minute": 20}
